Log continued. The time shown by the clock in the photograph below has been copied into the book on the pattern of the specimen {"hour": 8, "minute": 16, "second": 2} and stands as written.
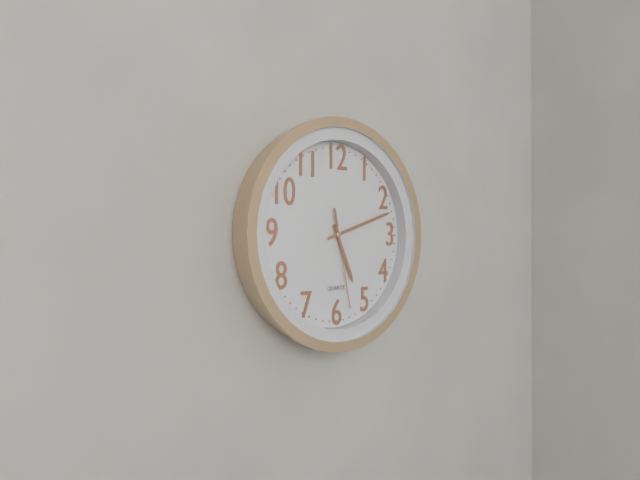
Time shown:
{"hour": 5, "minute": 12, "second": 28}
